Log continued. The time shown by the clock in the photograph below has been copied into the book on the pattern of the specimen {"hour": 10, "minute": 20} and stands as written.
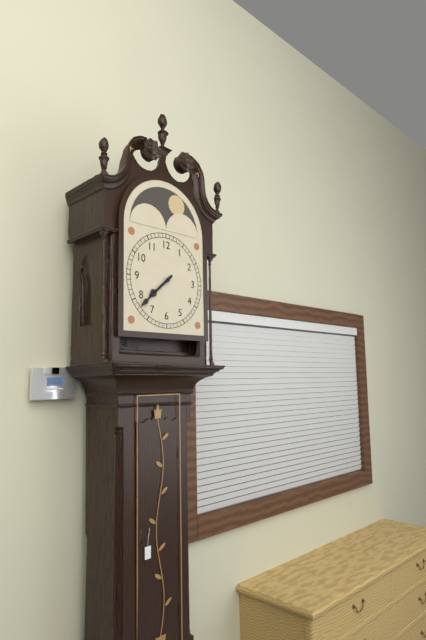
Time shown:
{"hour": 7, "minute": 38}
